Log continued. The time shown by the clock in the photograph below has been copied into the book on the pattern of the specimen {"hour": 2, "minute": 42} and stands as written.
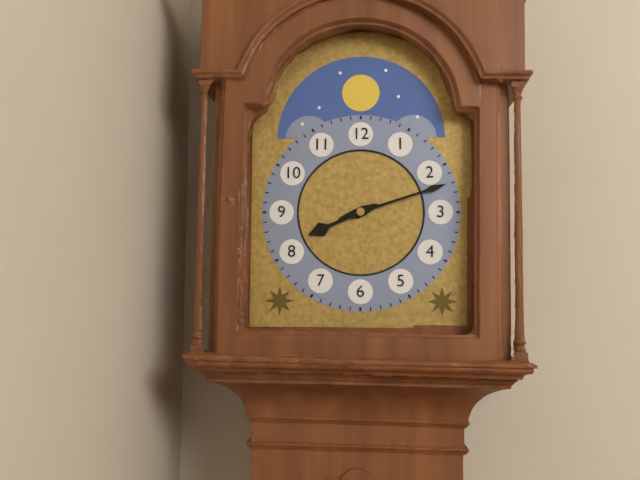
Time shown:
{"hour": 8, "minute": 12}
